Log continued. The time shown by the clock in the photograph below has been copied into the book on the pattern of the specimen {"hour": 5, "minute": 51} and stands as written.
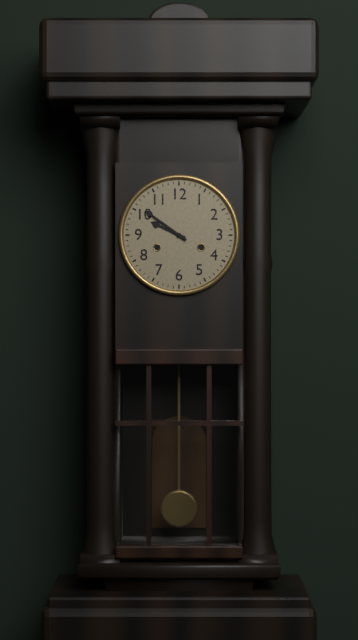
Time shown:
{"hour": 9, "minute": 51}
